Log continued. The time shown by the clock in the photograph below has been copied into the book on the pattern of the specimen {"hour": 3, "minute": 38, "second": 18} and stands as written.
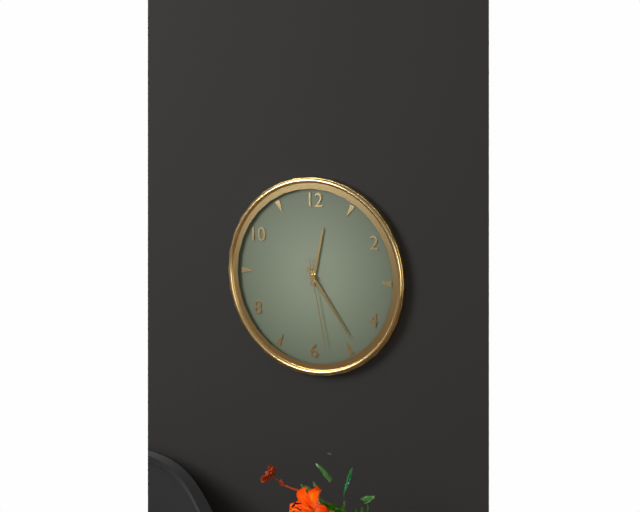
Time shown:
{"hour": 12, "minute": 24, "second": 28}
